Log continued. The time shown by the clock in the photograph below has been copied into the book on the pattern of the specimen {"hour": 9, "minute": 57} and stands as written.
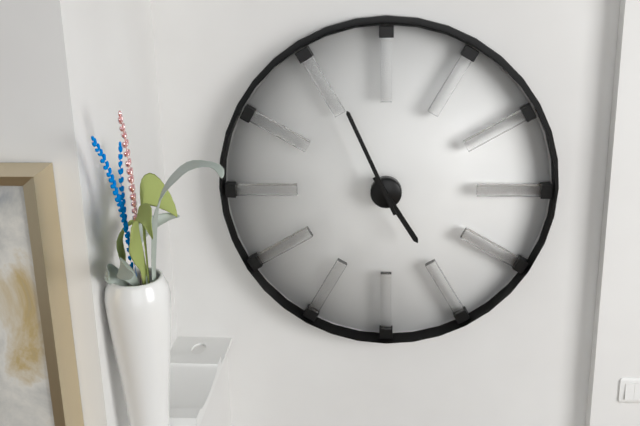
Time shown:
{"hour": 4, "minute": 56}
